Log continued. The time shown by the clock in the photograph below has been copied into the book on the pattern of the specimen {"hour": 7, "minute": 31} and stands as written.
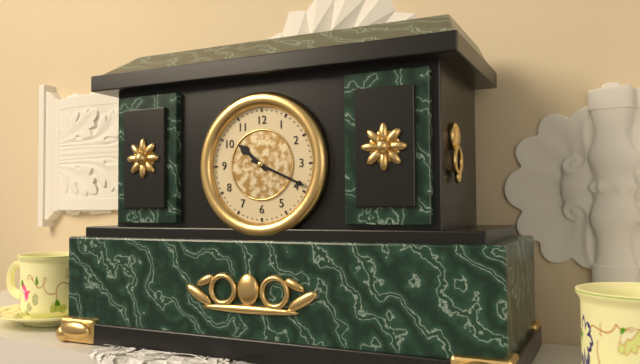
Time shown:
{"hour": 10, "minute": 19}
